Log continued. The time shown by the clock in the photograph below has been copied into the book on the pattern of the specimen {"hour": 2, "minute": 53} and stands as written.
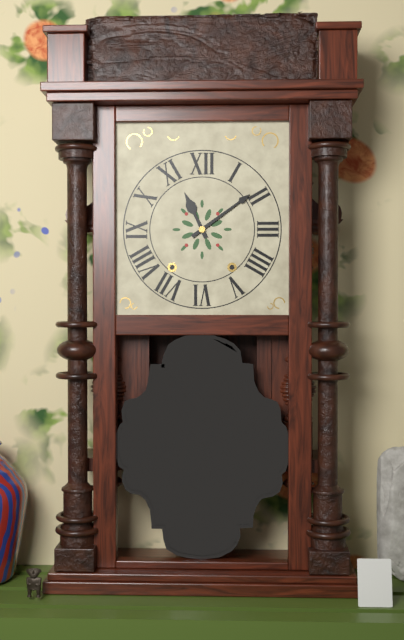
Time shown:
{"hour": 11, "minute": 9}
